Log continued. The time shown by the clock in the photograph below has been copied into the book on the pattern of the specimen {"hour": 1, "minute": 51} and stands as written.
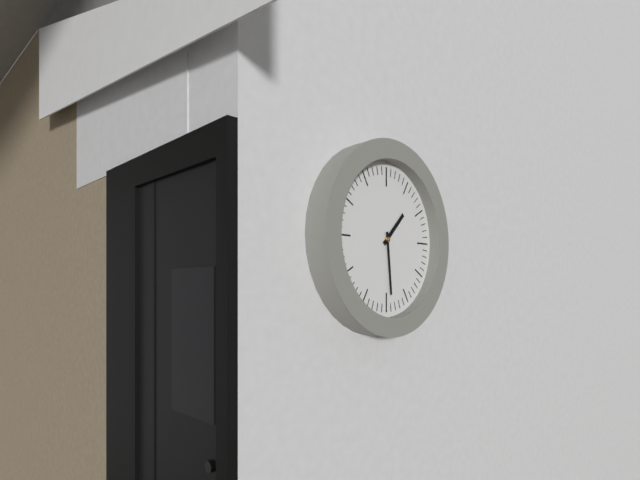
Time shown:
{"hour": 1, "minute": 29}
